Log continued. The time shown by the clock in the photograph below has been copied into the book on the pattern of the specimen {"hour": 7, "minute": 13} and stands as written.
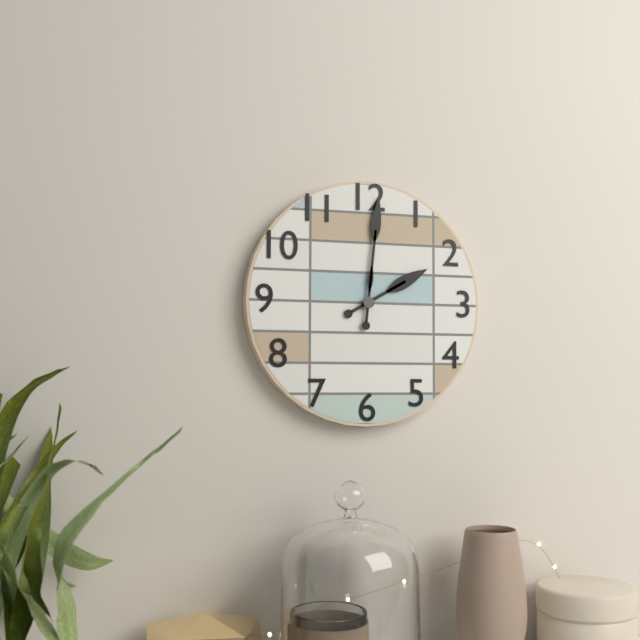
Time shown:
{"hour": 2, "minute": 1}
